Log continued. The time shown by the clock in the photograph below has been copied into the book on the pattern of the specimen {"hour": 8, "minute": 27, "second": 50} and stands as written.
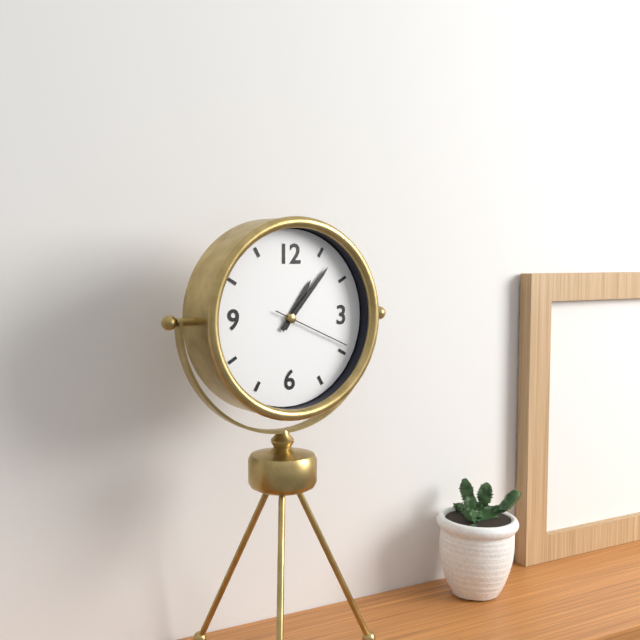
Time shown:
{"hour": 1, "minute": 7, "second": 19}
